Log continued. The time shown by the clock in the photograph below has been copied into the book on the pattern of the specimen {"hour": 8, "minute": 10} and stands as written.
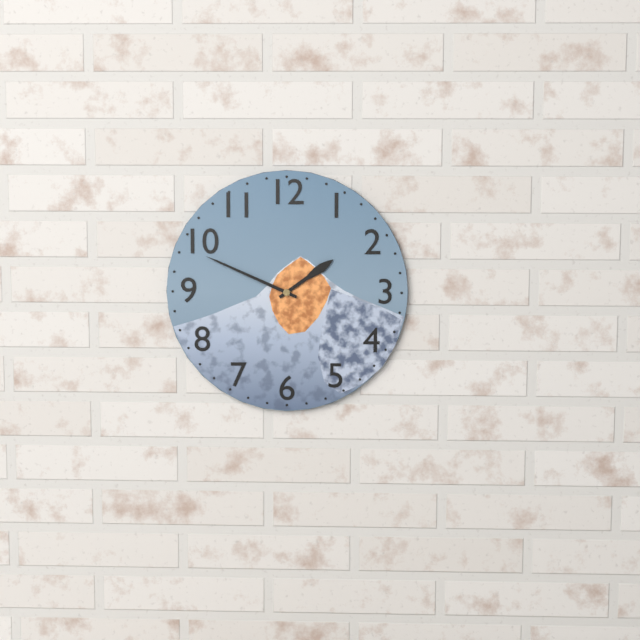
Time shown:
{"hour": 1, "minute": 49}
